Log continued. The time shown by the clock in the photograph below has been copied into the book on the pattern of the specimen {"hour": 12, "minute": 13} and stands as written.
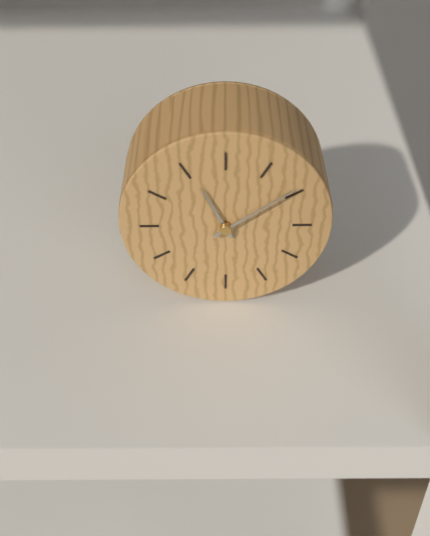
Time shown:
{"hour": 11, "minute": 9}
